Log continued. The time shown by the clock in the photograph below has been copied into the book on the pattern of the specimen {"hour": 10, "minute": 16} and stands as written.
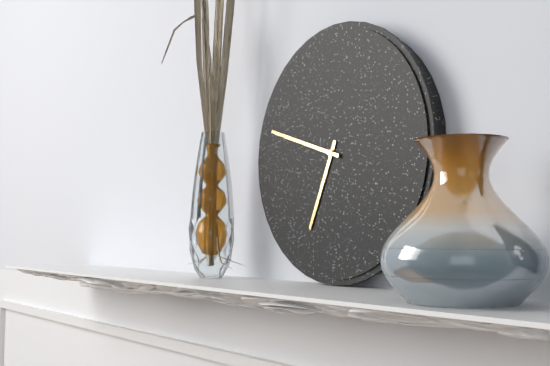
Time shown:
{"hour": 6, "minute": 48}
